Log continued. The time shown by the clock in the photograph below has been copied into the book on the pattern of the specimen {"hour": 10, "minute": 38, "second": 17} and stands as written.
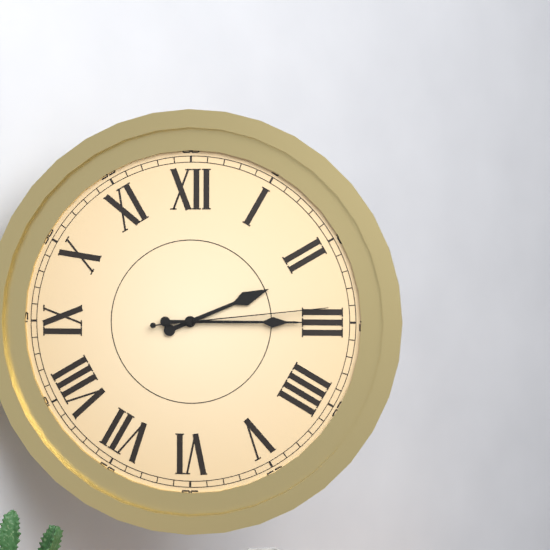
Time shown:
{"hour": 2, "minute": 15, "second": 14}
